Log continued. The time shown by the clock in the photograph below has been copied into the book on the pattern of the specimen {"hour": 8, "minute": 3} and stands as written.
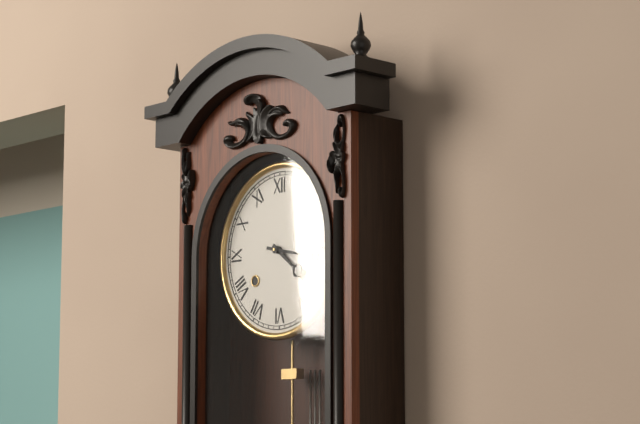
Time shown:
{"hour": 4, "minute": 17}
